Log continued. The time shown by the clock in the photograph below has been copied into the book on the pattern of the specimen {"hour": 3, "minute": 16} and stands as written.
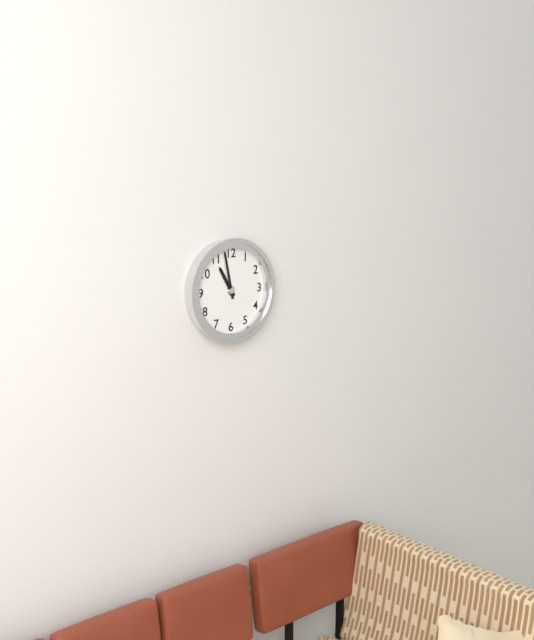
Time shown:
{"hour": 10, "minute": 58}
